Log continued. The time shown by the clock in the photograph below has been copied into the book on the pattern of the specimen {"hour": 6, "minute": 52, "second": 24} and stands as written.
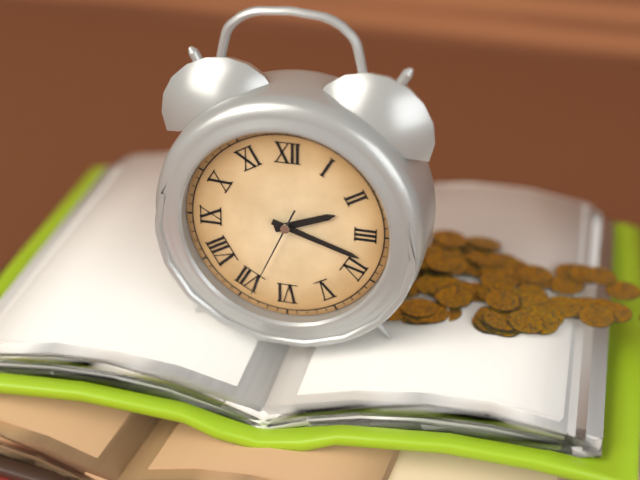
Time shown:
{"hour": 2, "minute": 18, "second": 34}
